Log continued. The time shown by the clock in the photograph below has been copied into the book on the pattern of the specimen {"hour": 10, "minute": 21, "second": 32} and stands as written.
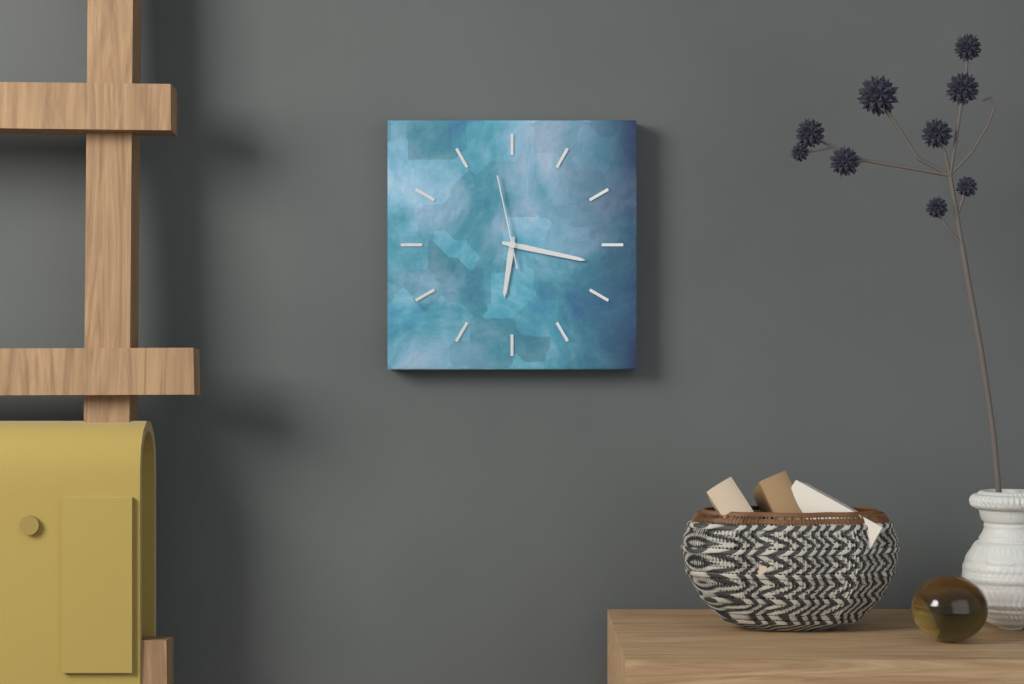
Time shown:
{"hour": 6, "minute": 17, "second": 58}
